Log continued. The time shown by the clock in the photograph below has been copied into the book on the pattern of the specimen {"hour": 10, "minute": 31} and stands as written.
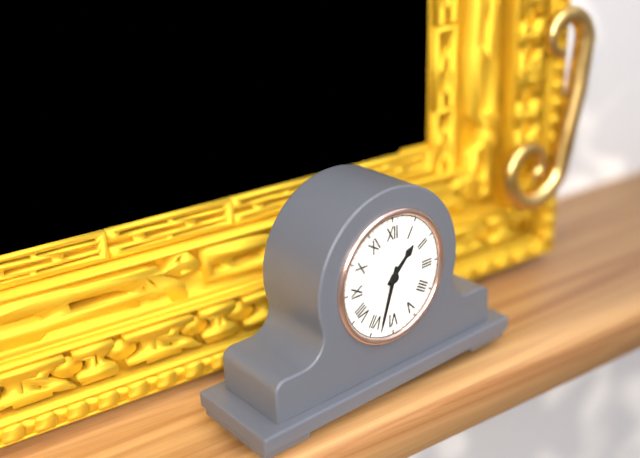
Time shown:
{"hour": 1, "minute": 33}
